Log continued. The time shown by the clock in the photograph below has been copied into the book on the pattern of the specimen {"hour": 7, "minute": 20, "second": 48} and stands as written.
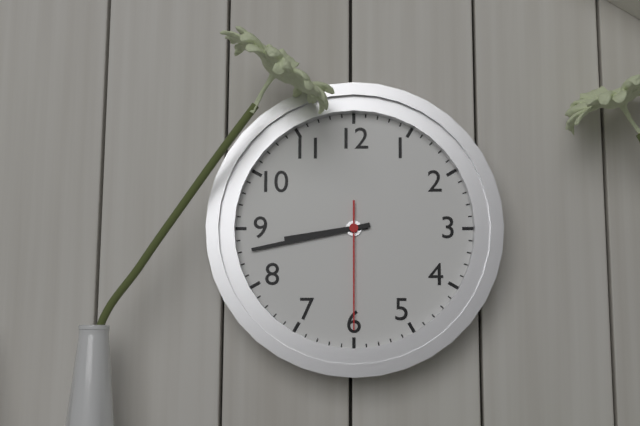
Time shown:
{"hour": 8, "minute": 43, "second": 30}
